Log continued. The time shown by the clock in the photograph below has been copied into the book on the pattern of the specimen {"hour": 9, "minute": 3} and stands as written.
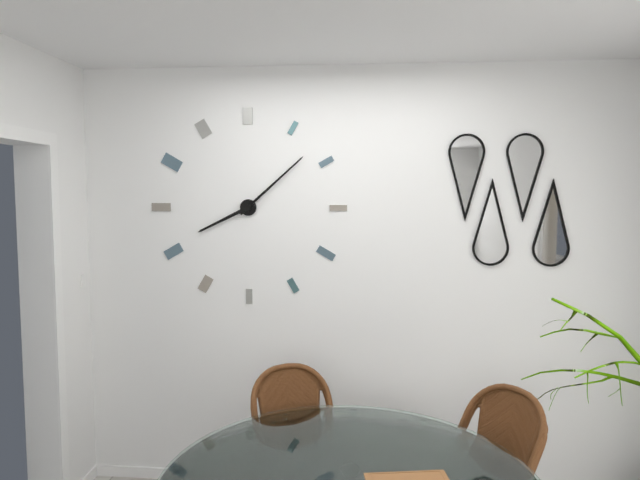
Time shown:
{"hour": 8, "minute": 8}
